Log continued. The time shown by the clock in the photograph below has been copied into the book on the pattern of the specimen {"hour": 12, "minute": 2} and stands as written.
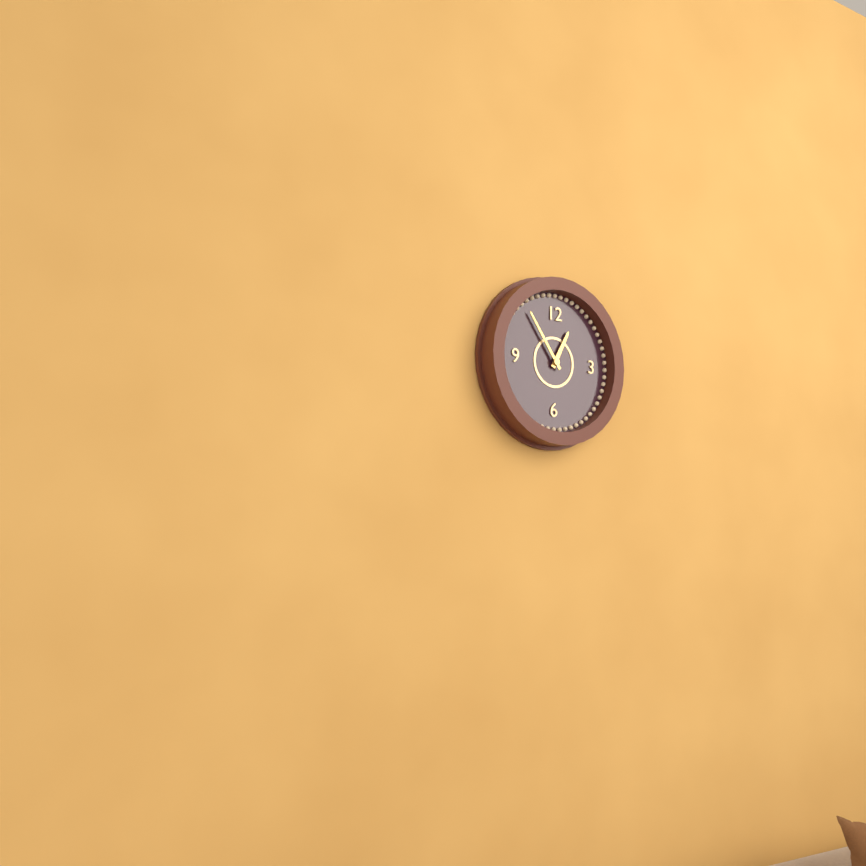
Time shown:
{"hour": 12, "minute": 54}
